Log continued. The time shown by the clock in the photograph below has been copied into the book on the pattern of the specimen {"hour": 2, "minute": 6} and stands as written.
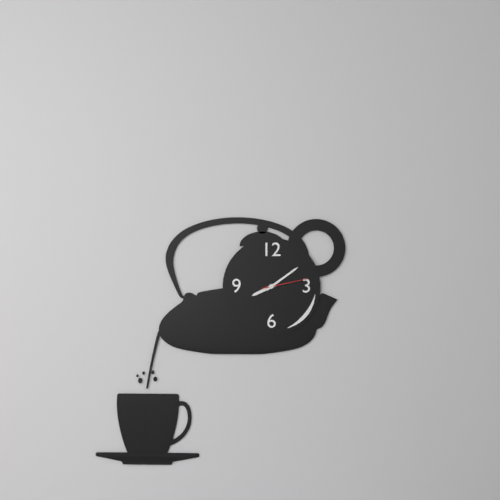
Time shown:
{"hour": 8, "minute": 9}
